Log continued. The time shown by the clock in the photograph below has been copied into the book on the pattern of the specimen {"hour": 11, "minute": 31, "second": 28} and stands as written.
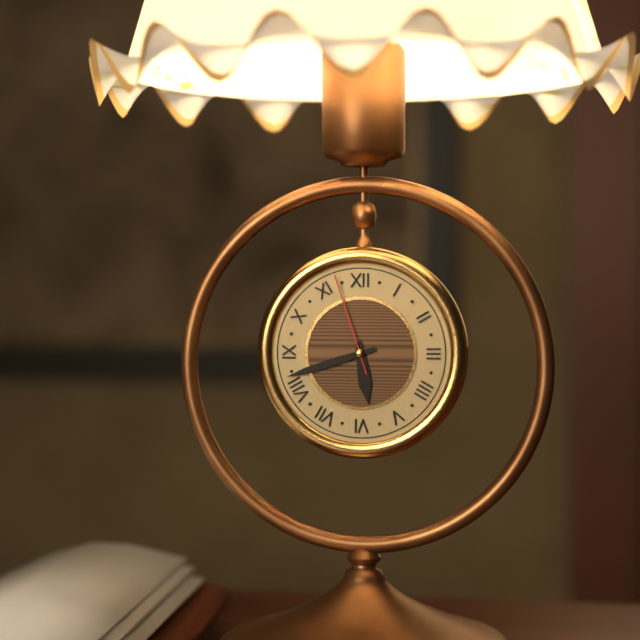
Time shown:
{"hour": 5, "minute": 42, "second": 57}
